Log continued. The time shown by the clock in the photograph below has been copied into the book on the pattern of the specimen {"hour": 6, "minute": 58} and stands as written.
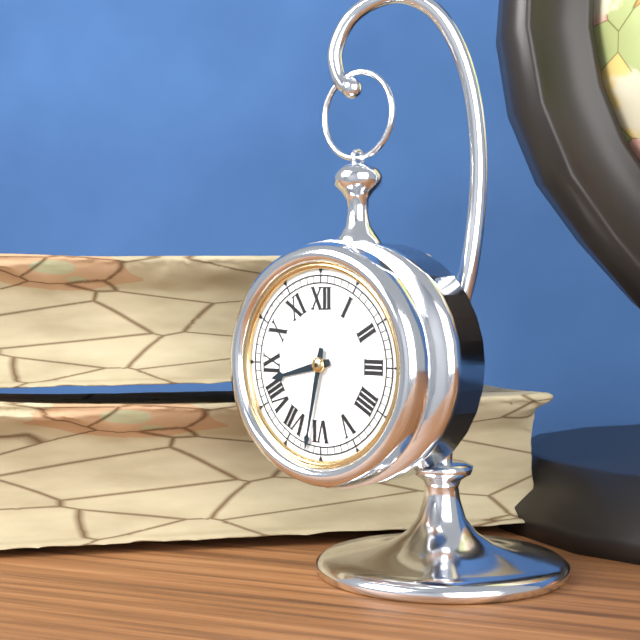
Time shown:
{"hour": 8, "minute": 32}
